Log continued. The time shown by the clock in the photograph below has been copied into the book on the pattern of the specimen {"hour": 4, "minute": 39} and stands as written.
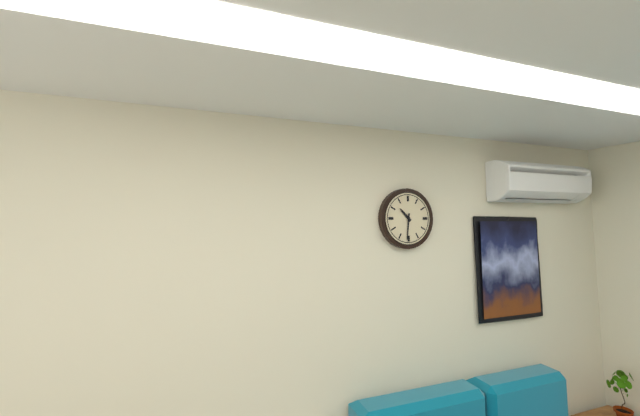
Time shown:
{"hour": 10, "minute": 31}
